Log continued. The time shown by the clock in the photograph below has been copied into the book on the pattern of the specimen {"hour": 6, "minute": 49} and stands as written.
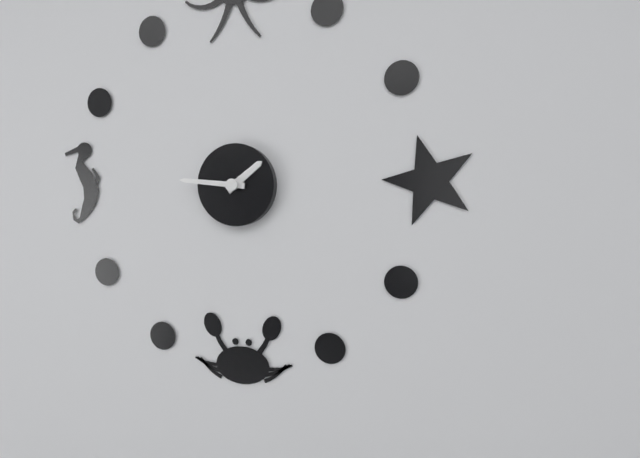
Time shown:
{"hour": 1, "minute": 46}
